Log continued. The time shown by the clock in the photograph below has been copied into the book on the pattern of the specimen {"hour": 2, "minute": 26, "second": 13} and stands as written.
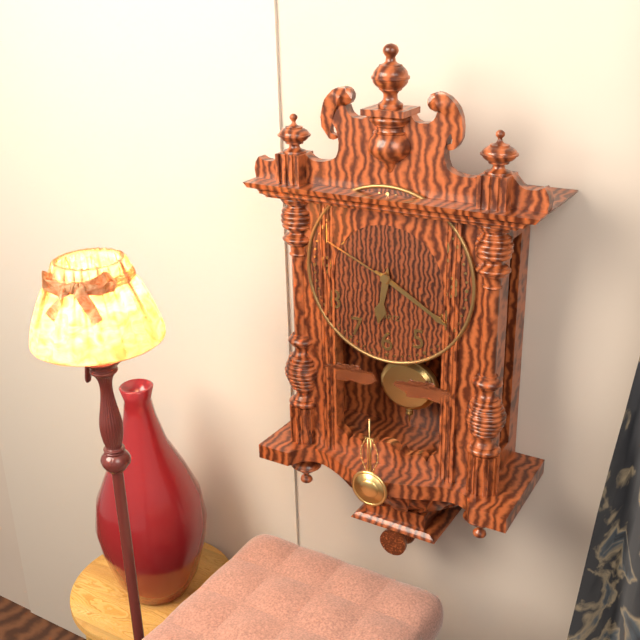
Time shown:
{"hour": 6, "minute": 20, "second": 49}
